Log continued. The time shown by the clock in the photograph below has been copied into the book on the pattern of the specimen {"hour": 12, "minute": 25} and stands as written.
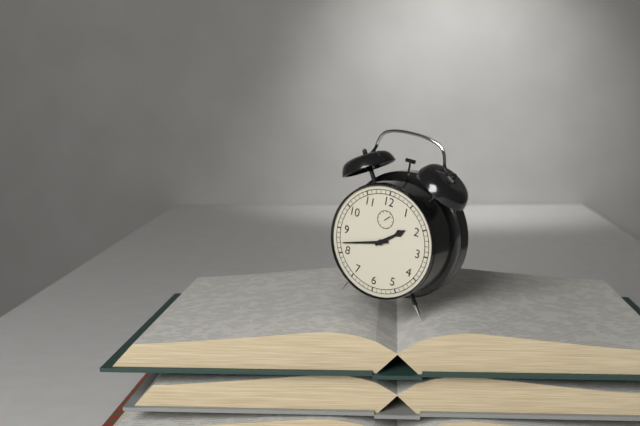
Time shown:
{"hour": 1, "minute": 42}
